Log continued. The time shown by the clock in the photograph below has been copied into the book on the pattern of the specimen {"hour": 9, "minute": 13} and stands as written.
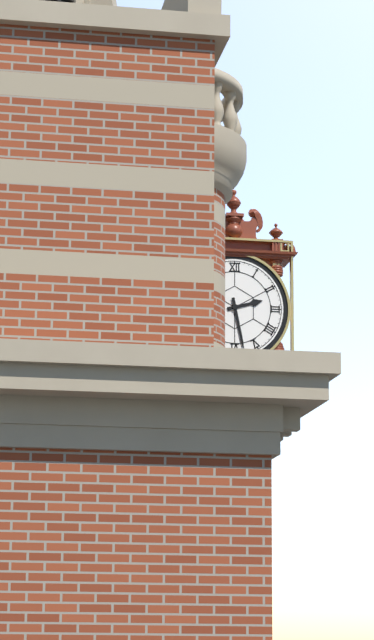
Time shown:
{"hour": 2, "minute": 28}
